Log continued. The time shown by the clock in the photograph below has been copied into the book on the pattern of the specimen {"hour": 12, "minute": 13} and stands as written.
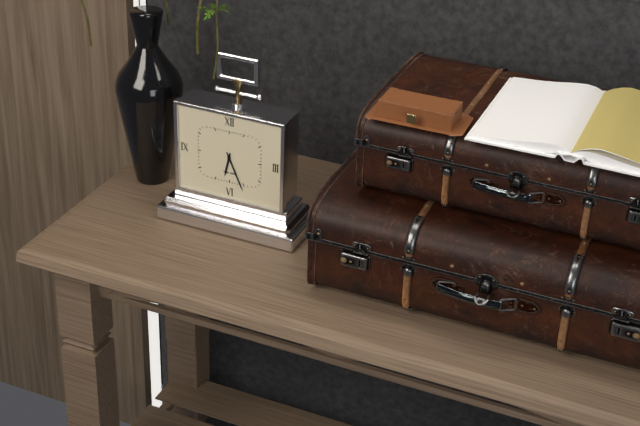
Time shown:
{"hour": 6, "minute": 26}
